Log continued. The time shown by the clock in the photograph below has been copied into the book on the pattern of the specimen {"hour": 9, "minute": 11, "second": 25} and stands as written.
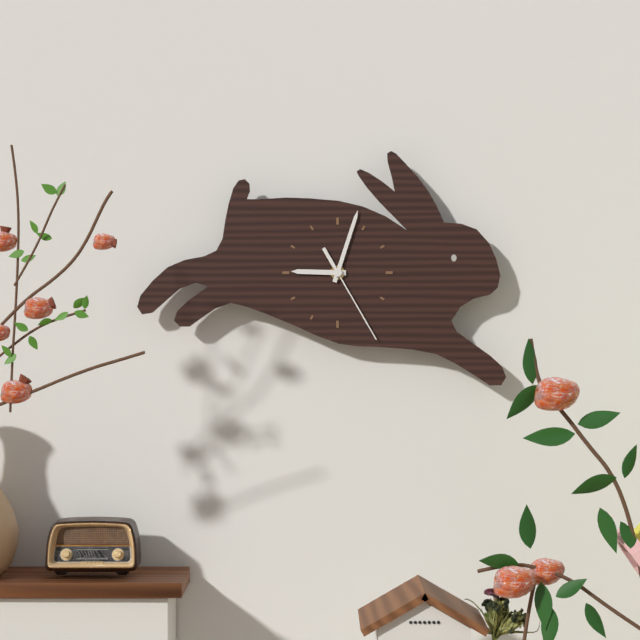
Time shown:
{"hour": 9, "minute": 3, "second": 25}
